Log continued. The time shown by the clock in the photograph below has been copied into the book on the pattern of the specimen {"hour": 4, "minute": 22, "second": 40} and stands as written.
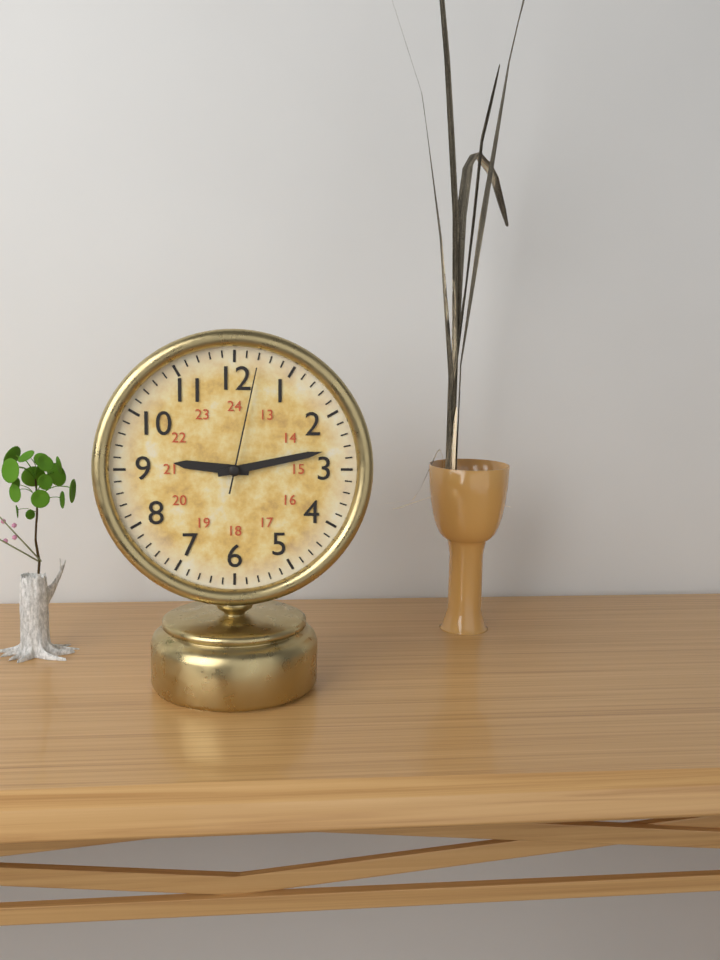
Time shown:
{"hour": 9, "minute": 13, "second": 2}
